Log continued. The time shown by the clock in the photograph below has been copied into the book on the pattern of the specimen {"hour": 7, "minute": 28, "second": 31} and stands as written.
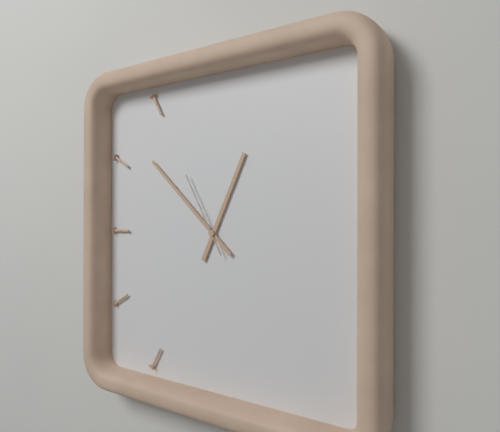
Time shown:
{"hour": 12, "minute": 52, "second": 55}
